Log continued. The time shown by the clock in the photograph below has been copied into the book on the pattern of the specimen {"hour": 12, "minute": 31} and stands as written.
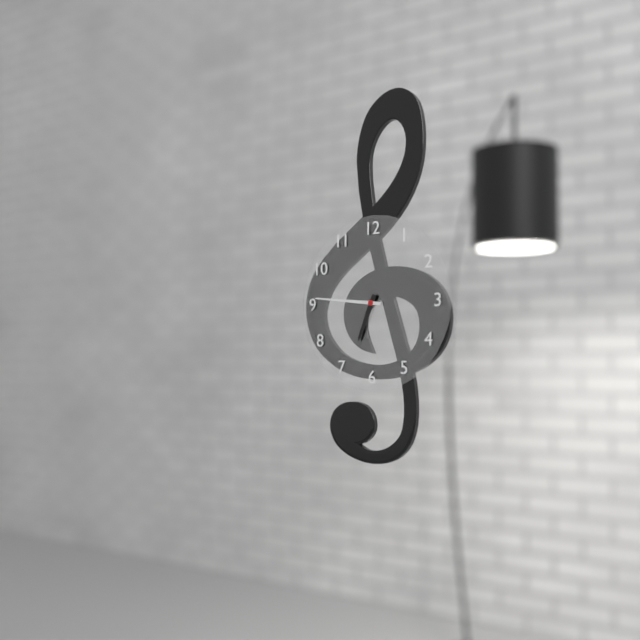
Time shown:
{"hour": 6, "minute": 46}
